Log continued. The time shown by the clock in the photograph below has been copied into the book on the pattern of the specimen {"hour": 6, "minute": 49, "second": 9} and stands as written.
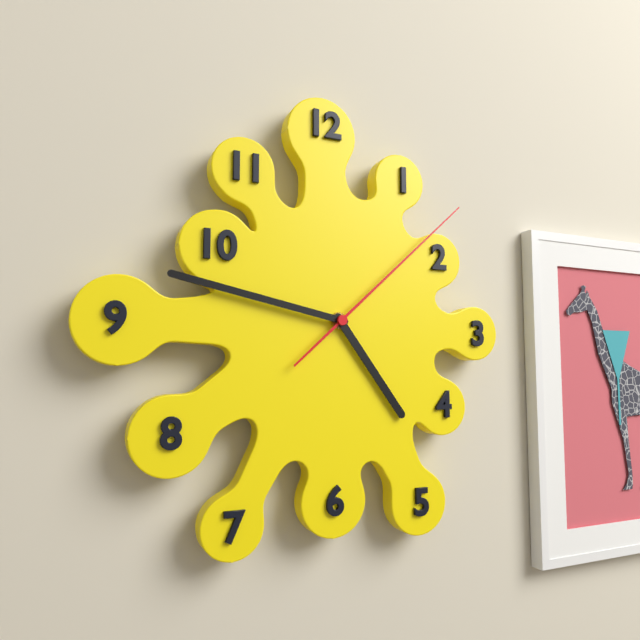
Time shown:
{"hour": 4, "minute": 47, "second": 8}
